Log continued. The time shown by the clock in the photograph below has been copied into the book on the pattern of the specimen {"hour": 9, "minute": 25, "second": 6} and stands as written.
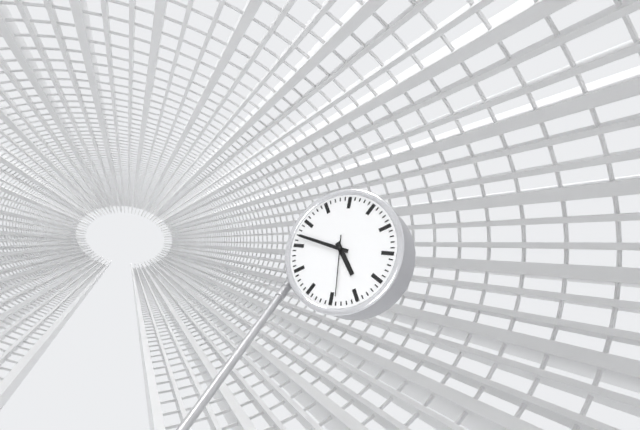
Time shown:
{"hour": 4, "minute": 47, "second": 29}
